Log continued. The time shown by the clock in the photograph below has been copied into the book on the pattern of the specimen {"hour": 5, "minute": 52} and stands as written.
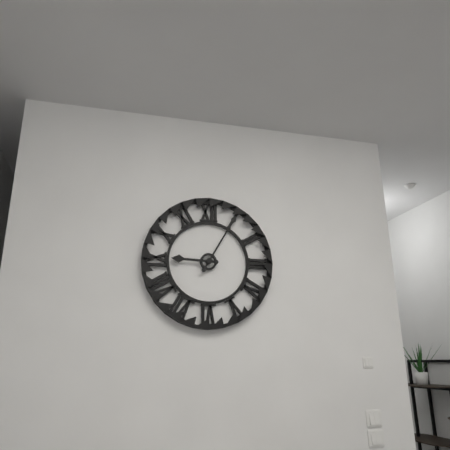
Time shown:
{"hour": 9, "minute": 5}
